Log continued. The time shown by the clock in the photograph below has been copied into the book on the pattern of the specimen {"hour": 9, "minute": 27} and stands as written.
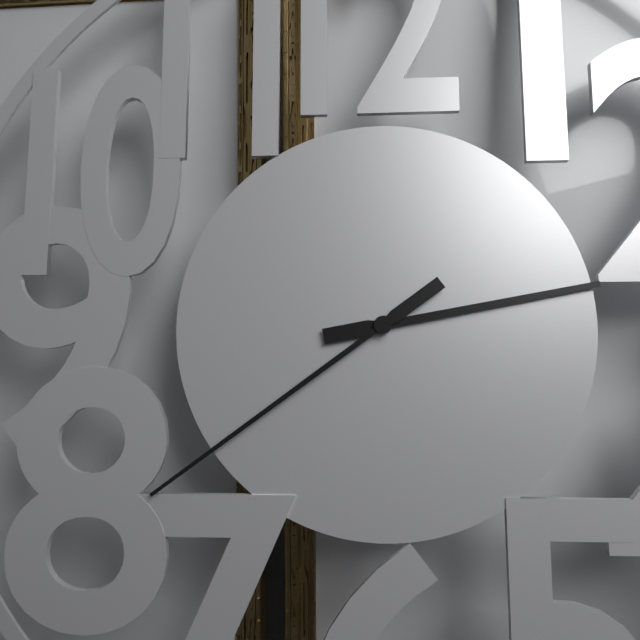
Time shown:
{"hour": 2, "minute": 39}
